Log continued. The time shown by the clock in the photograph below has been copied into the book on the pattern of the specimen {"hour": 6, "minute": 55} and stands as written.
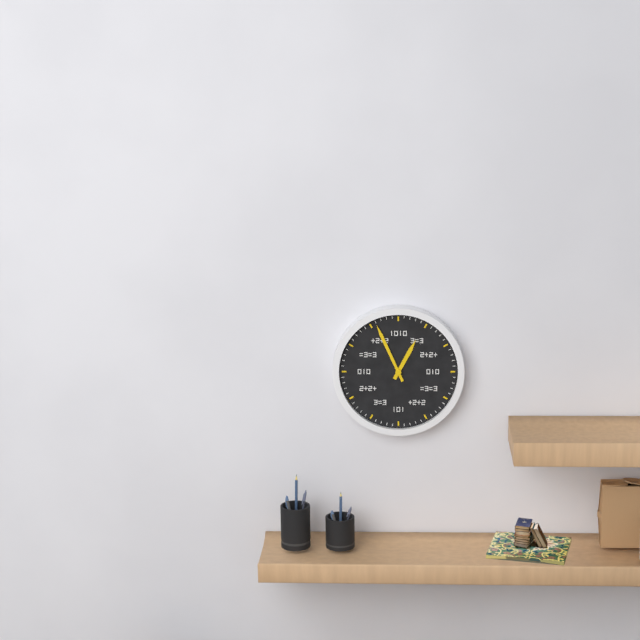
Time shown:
{"hour": 12, "minute": 56}
